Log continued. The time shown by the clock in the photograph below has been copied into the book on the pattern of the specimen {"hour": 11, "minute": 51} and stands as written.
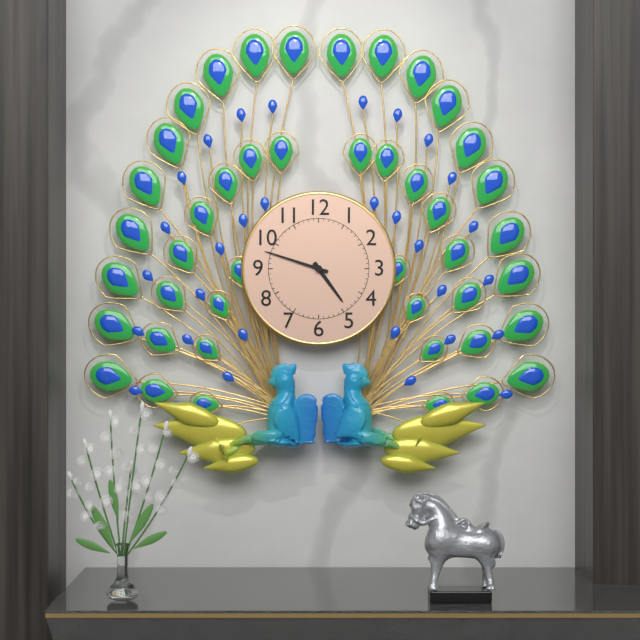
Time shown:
{"hour": 4, "minute": 48}
